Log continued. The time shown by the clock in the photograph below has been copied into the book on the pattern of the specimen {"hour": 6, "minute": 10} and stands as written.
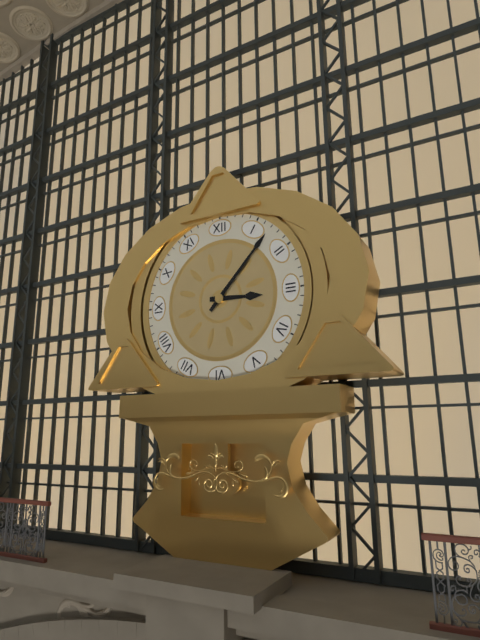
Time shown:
{"hour": 3, "minute": 7}
